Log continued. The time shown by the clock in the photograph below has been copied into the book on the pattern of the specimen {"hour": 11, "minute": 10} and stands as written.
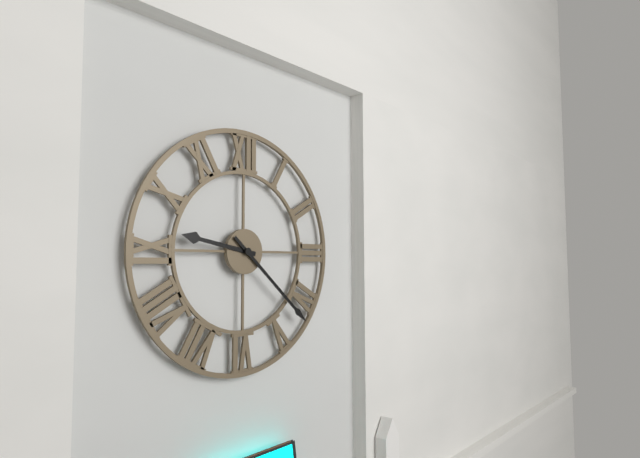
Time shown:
{"hour": 9, "minute": 22}
